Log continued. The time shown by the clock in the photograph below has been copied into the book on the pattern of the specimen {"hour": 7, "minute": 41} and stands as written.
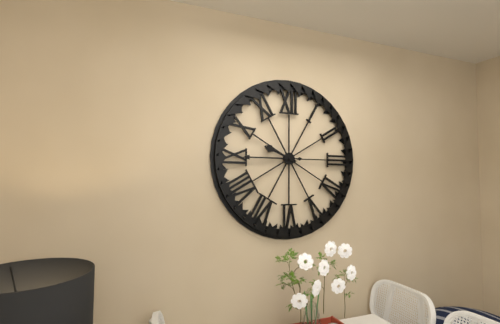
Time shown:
{"hour": 9, "minute": 45}
